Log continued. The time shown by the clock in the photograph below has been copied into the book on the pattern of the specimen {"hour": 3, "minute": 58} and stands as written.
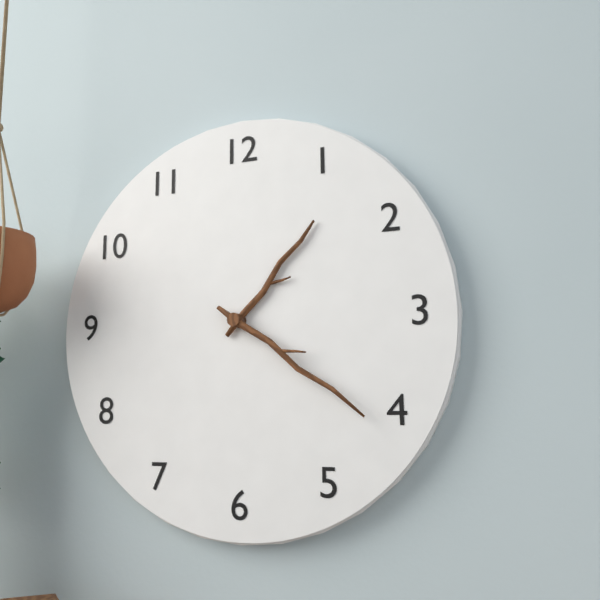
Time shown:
{"hour": 1, "minute": 21}
